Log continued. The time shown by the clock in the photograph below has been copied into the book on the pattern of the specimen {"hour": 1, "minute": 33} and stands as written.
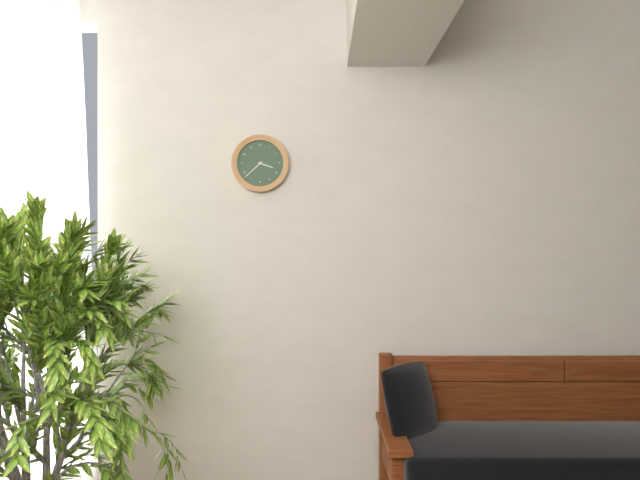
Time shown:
{"hour": 3, "minute": 38}
